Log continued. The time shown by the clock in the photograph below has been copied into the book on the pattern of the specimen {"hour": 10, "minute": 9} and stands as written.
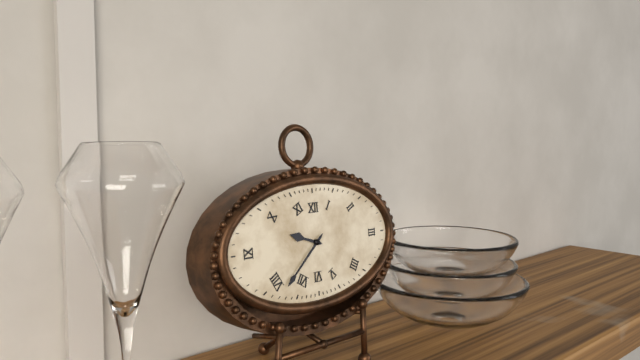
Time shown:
{"hour": 9, "minute": 38}
